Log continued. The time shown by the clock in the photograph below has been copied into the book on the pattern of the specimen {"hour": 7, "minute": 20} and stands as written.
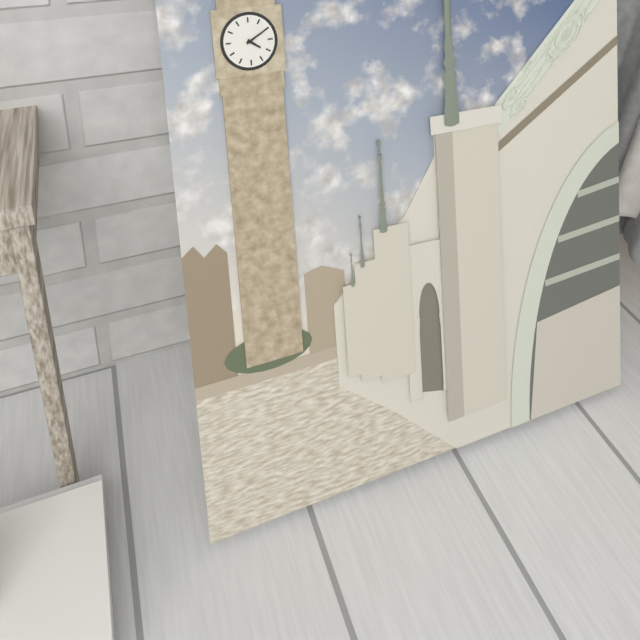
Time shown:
{"hour": 4, "minute": 10}
